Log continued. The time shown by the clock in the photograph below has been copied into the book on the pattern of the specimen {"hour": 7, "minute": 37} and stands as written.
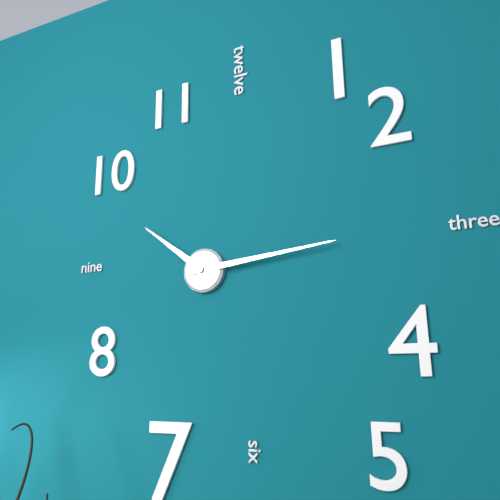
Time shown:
{"hour": 10, "minute": 14}
